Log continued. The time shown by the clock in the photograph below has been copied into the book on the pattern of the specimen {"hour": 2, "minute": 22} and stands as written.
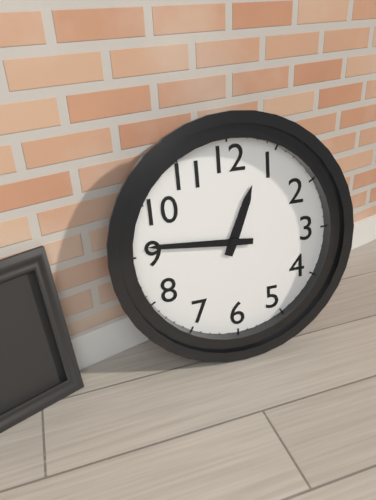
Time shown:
{"hour": 12, "minute": 46}
